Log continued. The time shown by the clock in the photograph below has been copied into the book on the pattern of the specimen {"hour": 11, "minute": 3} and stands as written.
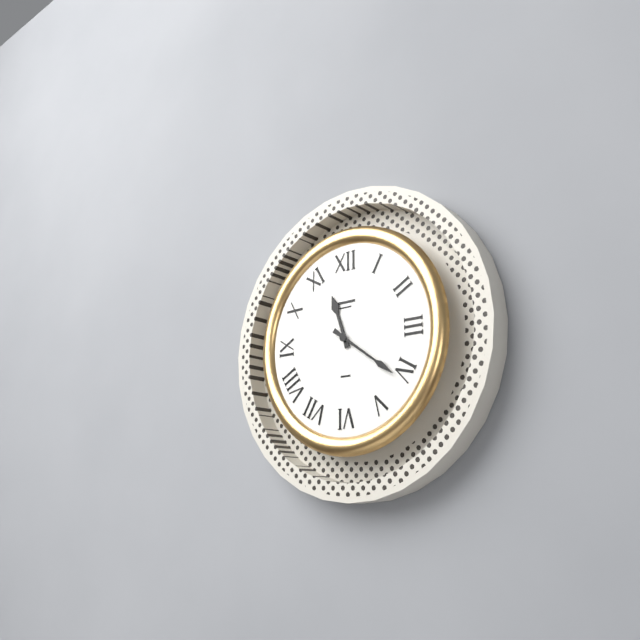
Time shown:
{"hour": 11, "minute": 21}
